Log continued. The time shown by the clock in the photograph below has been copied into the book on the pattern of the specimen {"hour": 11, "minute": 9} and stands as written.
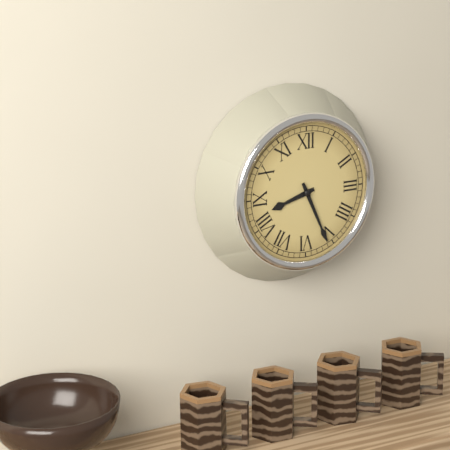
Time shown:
{"hour": 8, "minute": 26}
